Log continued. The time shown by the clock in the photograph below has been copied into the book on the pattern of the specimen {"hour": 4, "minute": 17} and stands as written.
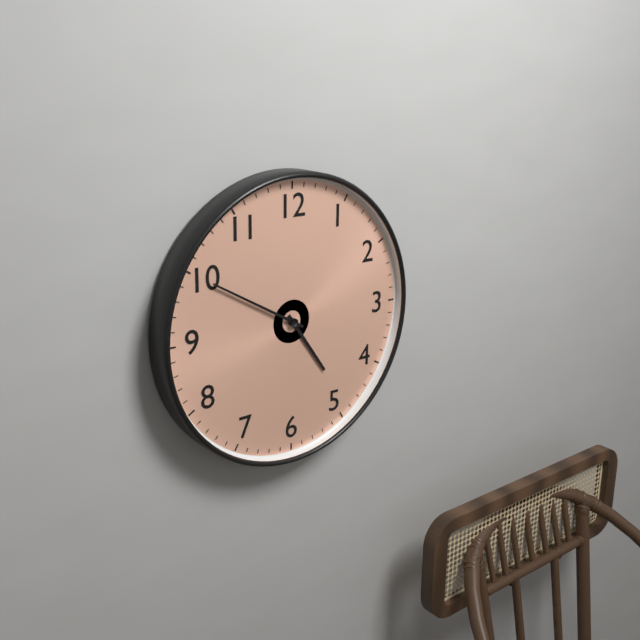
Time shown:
{"hour": 4, "minute": 50}
